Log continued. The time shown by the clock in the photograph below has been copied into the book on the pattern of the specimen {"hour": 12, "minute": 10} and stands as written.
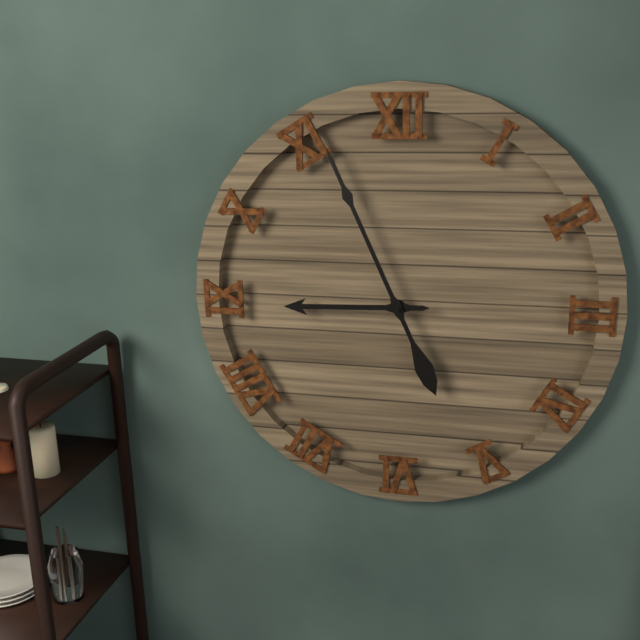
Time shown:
{"hour": 8, "minute": 56}
